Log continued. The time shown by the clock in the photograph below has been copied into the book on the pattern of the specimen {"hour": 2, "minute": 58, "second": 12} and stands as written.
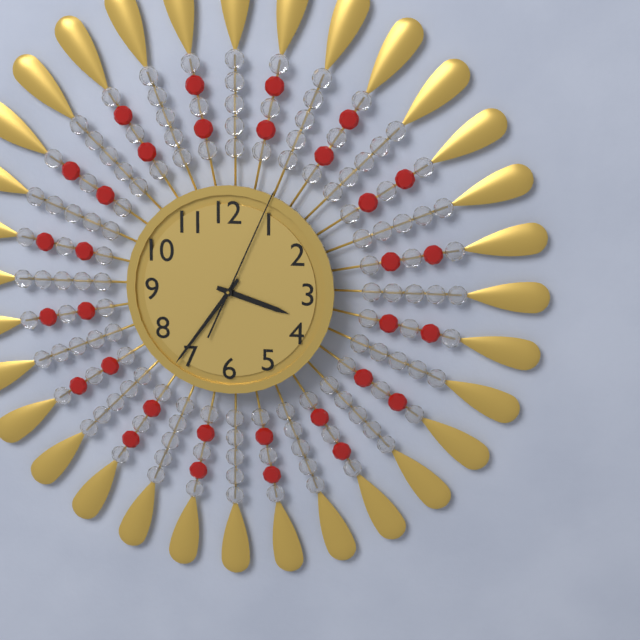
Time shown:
{"hour": 3, "minute": 36, "second": 4}
